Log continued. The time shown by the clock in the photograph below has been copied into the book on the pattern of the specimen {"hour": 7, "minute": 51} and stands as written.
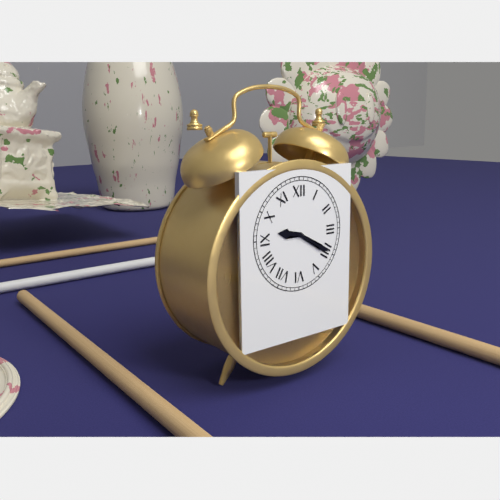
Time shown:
{"hour": 9, "minute": 20}
